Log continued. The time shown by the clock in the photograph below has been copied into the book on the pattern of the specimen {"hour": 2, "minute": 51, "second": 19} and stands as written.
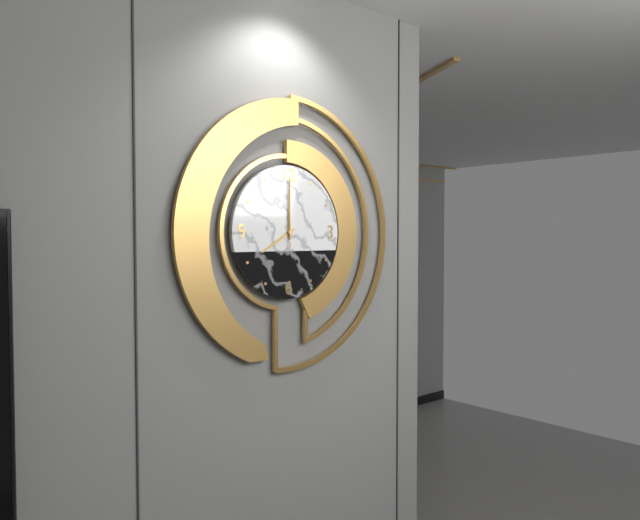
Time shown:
{"hour": 8, "minute": 0, "second": 0}
